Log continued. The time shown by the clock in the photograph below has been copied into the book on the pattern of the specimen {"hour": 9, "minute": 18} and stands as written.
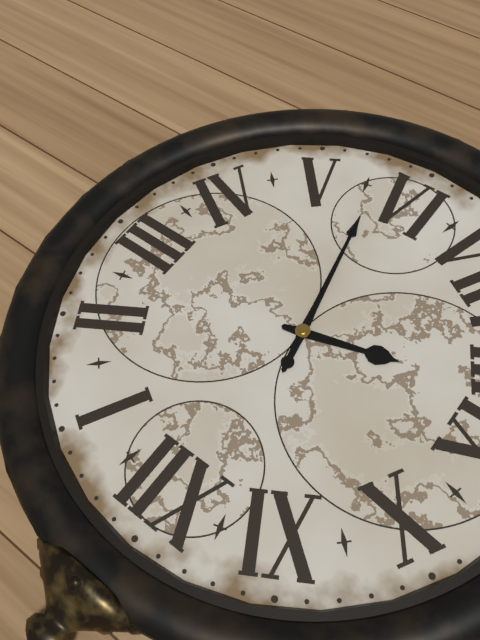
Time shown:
{"hour": 8, "minute": 28}
